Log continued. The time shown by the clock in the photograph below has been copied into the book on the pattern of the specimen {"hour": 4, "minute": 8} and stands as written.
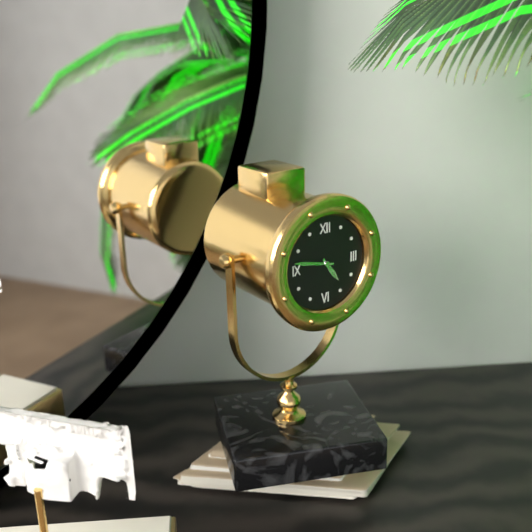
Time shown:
{"hour": 4, "minute": 47}
